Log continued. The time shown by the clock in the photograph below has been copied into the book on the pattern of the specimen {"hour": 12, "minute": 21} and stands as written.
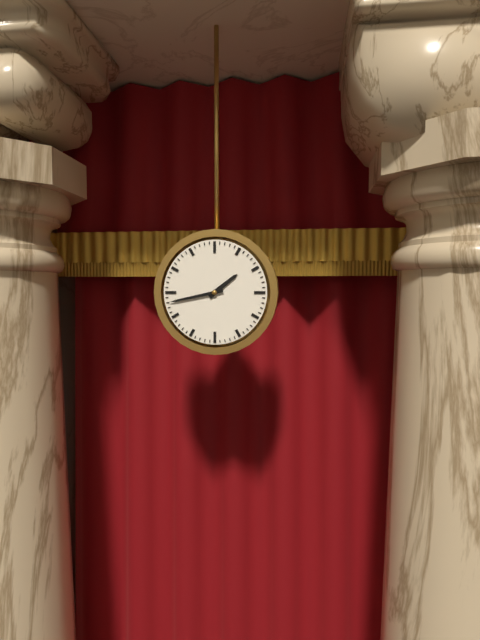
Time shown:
{"hour": 1, "minute": 43}
